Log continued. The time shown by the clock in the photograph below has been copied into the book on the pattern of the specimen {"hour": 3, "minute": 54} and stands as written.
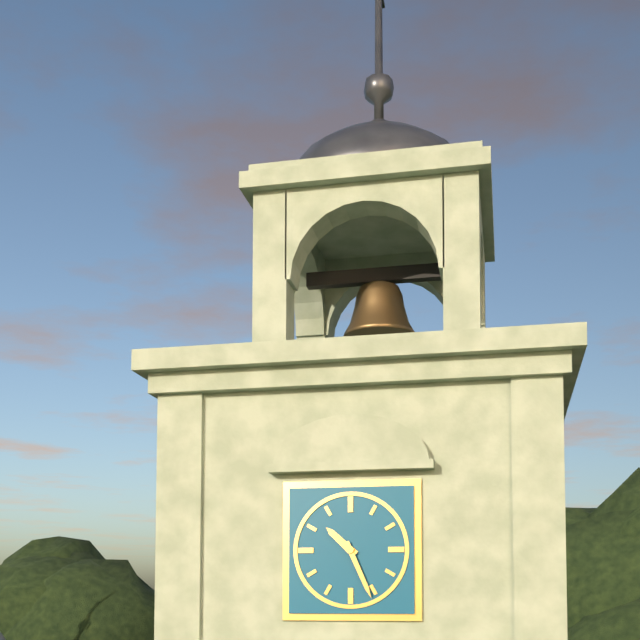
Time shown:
{"hour": 10, "minute": 26}
